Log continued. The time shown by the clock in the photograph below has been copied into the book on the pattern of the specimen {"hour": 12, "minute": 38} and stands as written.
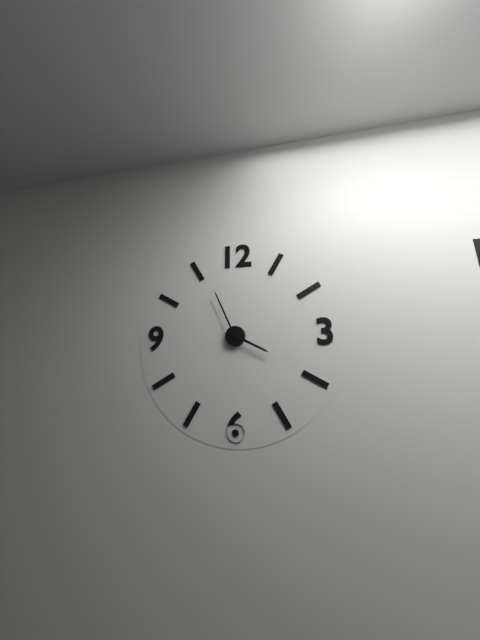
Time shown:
{"hour": 3, "minute": 56}
